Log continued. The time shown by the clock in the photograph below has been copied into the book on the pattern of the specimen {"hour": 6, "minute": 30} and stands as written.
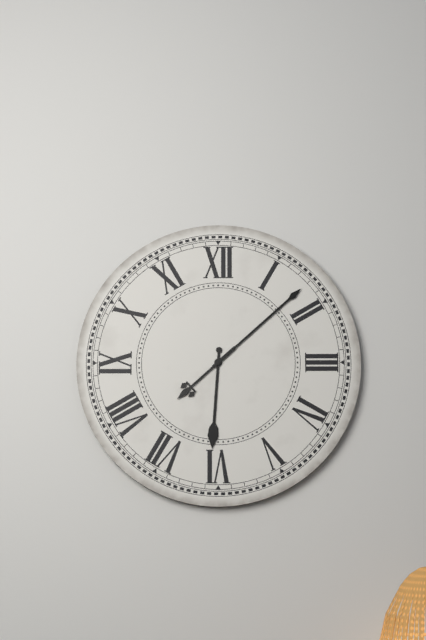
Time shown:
{"hour": 6, "minute": 8}
